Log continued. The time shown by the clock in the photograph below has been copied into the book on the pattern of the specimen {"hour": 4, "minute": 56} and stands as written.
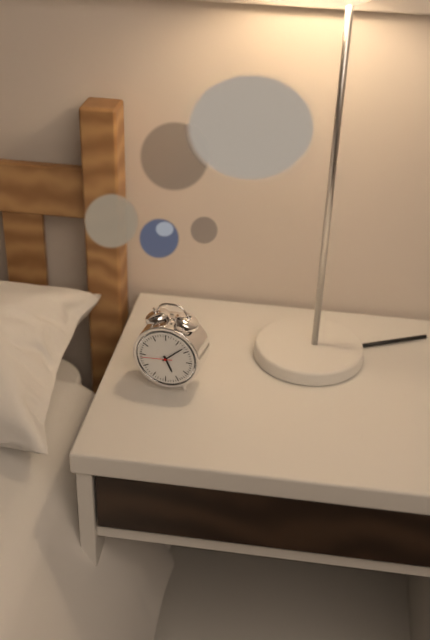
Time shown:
{"hour": 5, "minute": 8}
